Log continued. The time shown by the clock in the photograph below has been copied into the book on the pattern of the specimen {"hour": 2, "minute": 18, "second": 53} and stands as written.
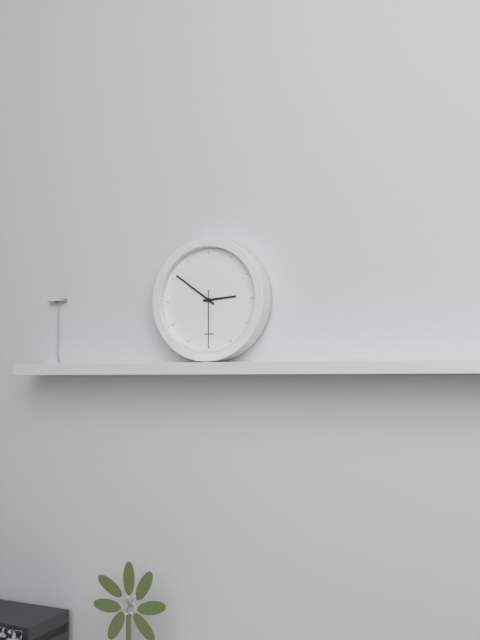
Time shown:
{"hour": 2, "minute": 51, "second": 30}
